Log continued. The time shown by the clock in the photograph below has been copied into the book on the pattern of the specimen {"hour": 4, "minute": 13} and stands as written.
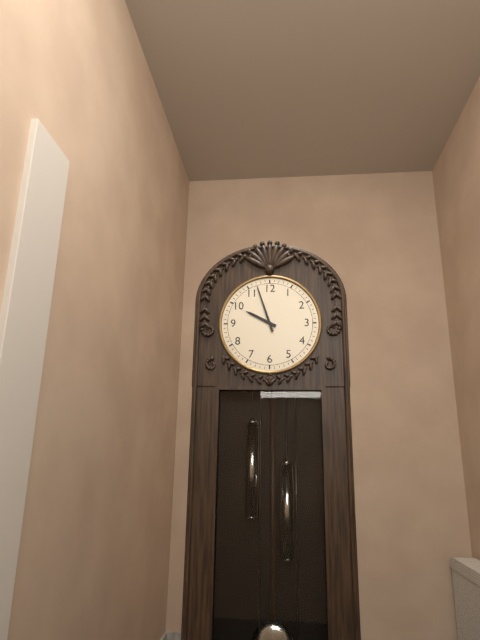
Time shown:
{"hour": 9, "minute": 57}
